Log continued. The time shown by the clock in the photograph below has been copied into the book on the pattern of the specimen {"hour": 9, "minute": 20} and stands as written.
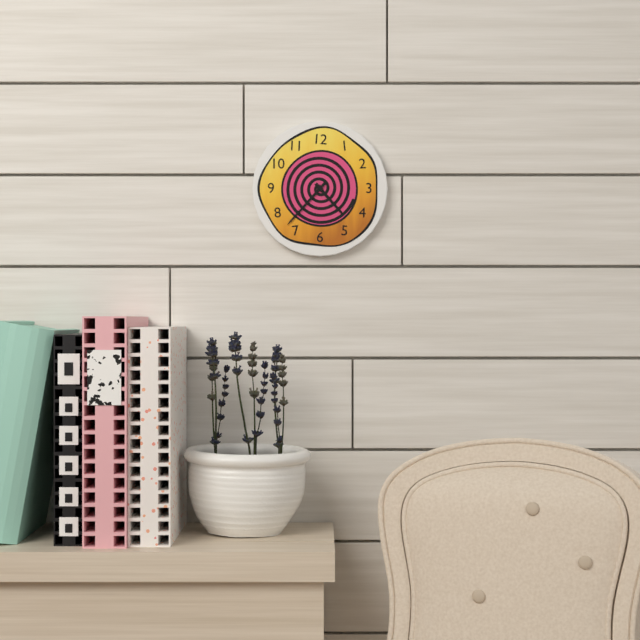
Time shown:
{"hour": 4, "minute": 37}
